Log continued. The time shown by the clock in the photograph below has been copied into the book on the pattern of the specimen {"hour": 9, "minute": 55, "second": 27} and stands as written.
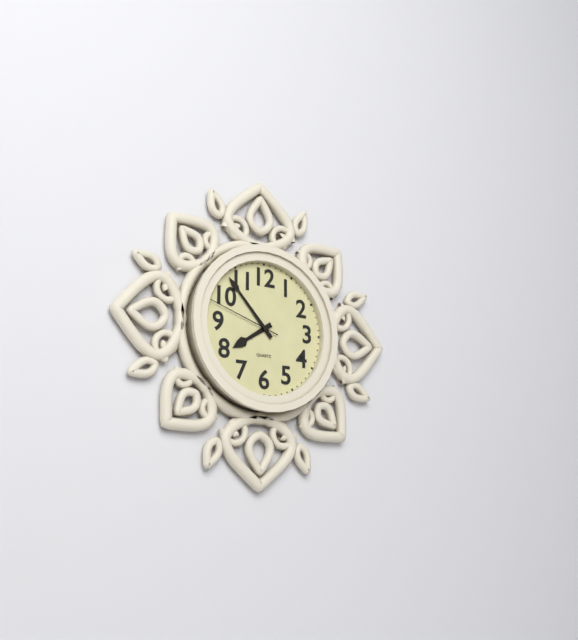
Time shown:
{"hour": 7, "minute": 53, "second": 48}
